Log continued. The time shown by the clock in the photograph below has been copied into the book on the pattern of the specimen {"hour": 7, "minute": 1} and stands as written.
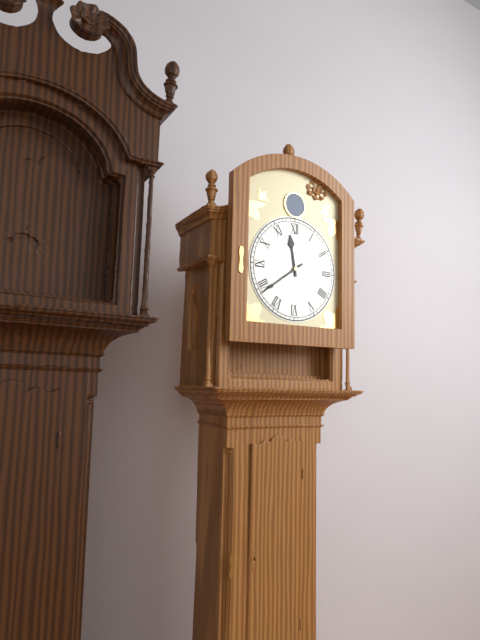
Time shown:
{"hour": 11, "minute": 39}
